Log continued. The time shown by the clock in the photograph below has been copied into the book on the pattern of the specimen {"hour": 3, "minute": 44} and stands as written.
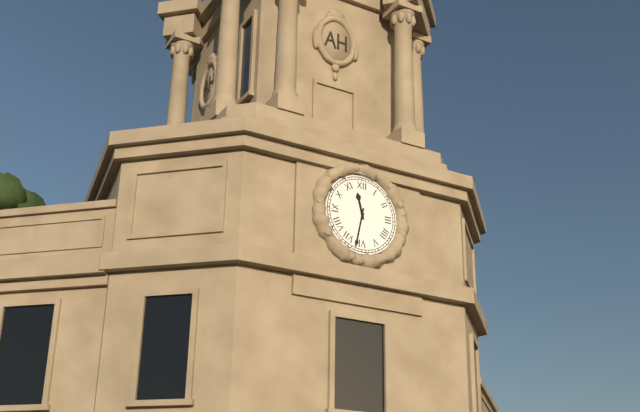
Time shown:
{"hour": 11, "minute": 32}
